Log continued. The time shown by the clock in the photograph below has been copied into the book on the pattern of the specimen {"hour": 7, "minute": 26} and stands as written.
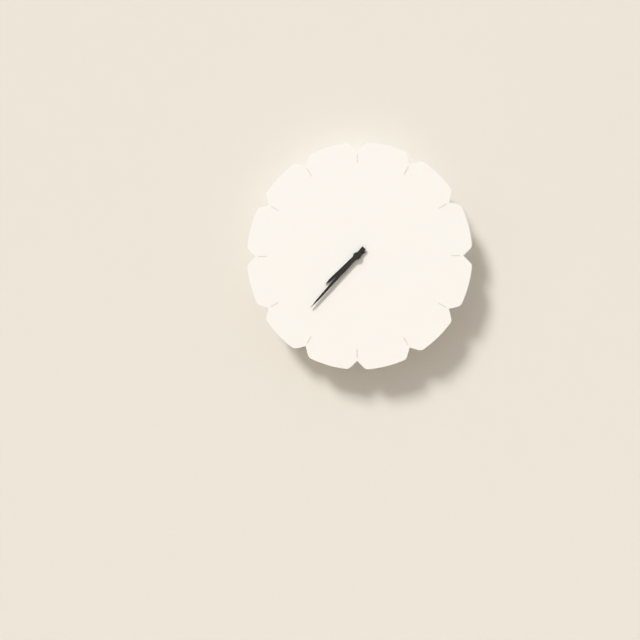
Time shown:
{"hour": 7, "minute": 37}
